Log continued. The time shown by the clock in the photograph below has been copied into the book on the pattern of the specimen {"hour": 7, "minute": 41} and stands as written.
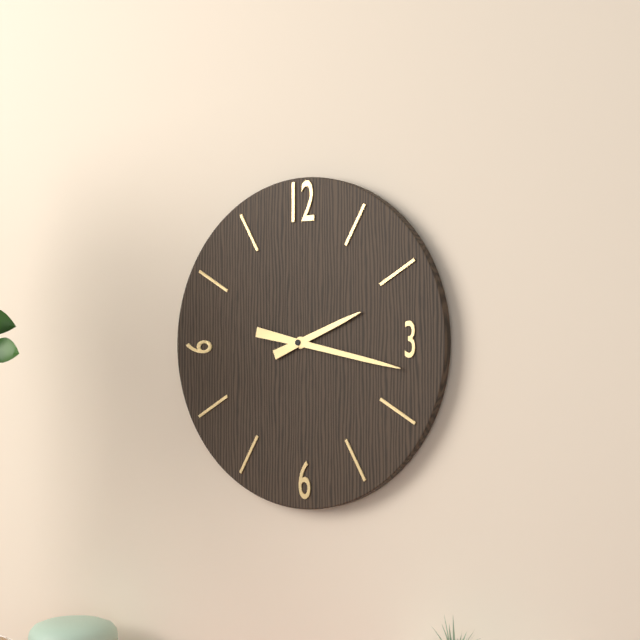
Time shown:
{"hour": 2, "minute": 17}
